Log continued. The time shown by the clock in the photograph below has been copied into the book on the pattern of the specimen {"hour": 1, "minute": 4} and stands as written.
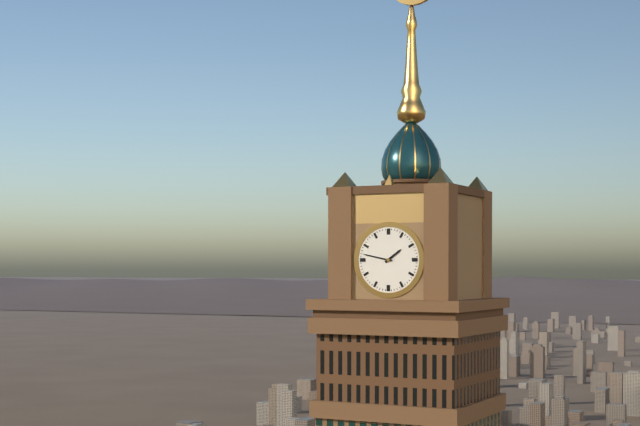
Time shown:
{"hour": 1, "minute": 47}
